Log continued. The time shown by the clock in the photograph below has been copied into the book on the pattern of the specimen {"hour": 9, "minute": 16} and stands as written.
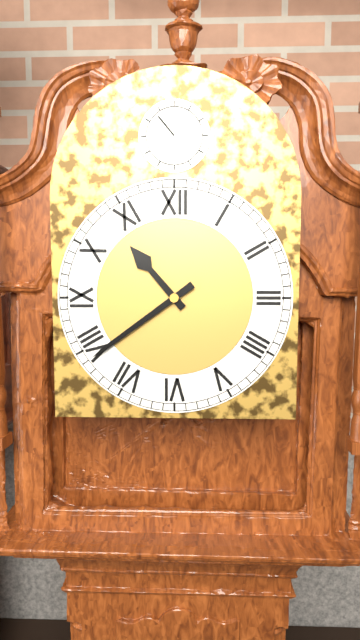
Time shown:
{"hour": 10, "minute": 39}
